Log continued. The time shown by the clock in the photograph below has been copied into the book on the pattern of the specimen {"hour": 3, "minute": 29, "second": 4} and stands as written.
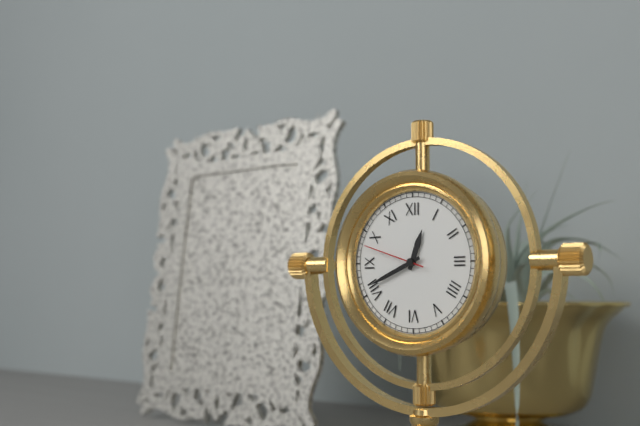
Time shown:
{"hour": 12, "minute": 41, "second": 48}
